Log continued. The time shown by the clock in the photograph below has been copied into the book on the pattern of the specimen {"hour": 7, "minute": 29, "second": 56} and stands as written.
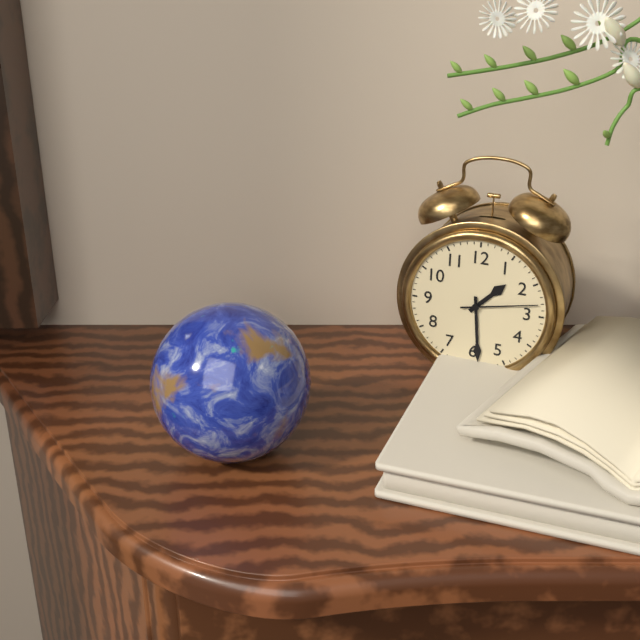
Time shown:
{"hour": 1, "minute": 29, "second": 13}
